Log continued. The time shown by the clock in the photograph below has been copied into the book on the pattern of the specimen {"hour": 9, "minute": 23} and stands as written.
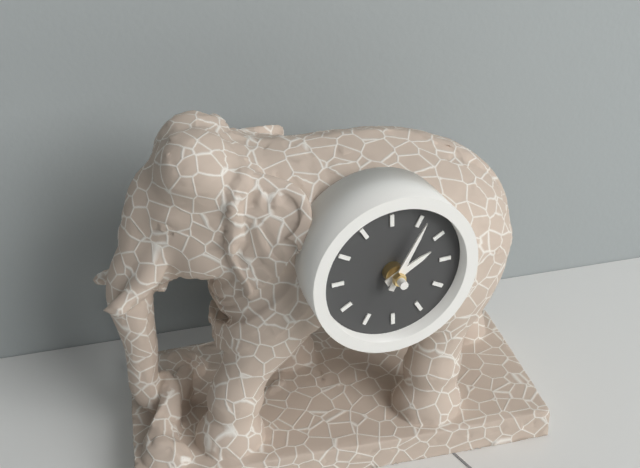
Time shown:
{"hour": 2, "minute": 5}
